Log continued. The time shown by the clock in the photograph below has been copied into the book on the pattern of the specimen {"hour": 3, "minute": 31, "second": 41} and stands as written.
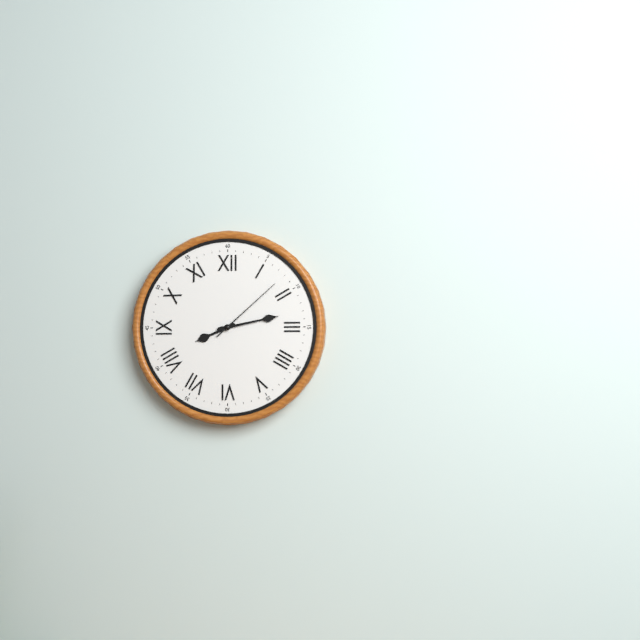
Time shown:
{"hour": 8, "minute": 13, "second": 8}
